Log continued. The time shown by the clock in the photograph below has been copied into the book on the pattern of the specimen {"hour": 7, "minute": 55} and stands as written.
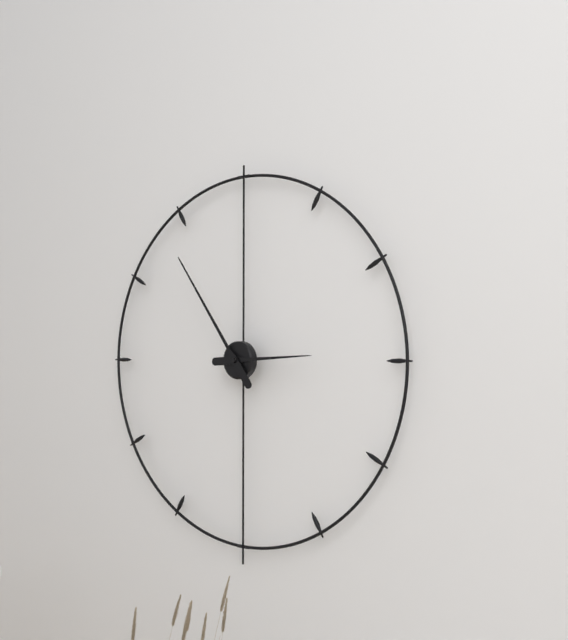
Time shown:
{"hour": 2, "minute": 54}
